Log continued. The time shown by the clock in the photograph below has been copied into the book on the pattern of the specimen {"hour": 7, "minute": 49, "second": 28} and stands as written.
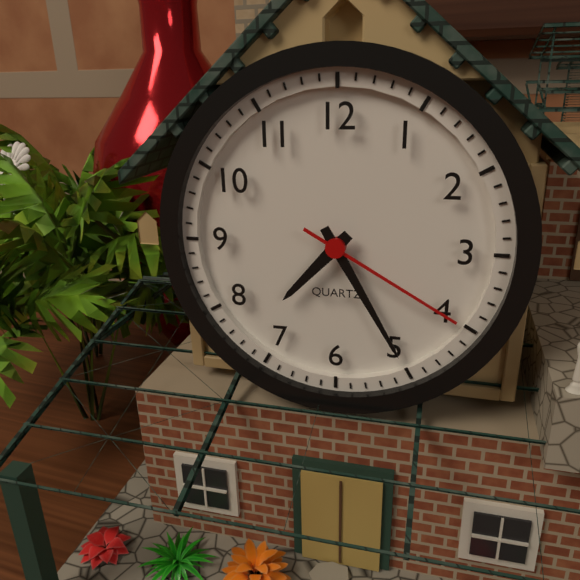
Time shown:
{"hour": 7, "minute": 25, "second": 20}
